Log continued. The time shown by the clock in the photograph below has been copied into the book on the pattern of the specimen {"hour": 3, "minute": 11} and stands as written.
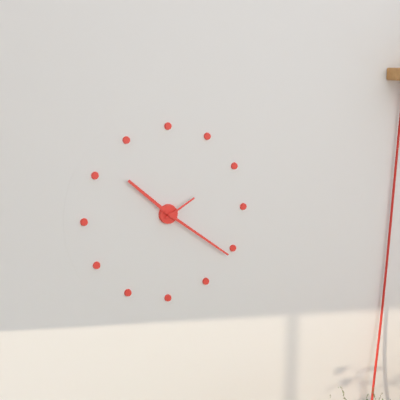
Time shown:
{"hour": 10, "minute": 21}
